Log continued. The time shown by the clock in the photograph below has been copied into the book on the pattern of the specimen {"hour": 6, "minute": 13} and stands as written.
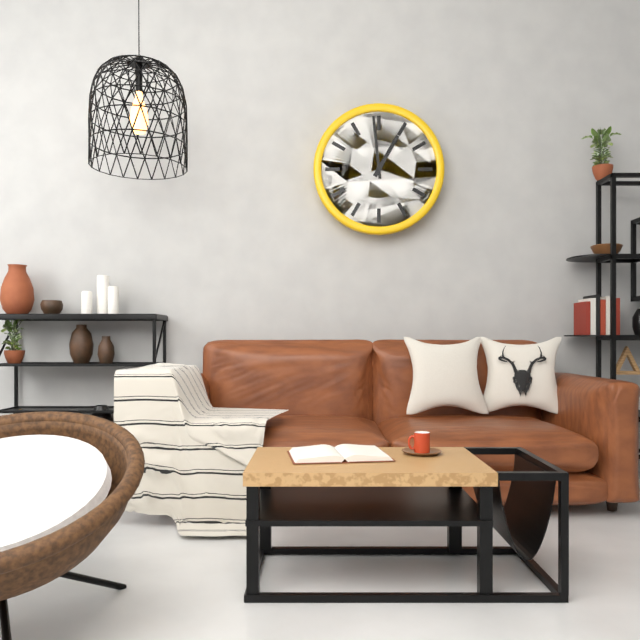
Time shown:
{"hour": 12, "minute": 59}
